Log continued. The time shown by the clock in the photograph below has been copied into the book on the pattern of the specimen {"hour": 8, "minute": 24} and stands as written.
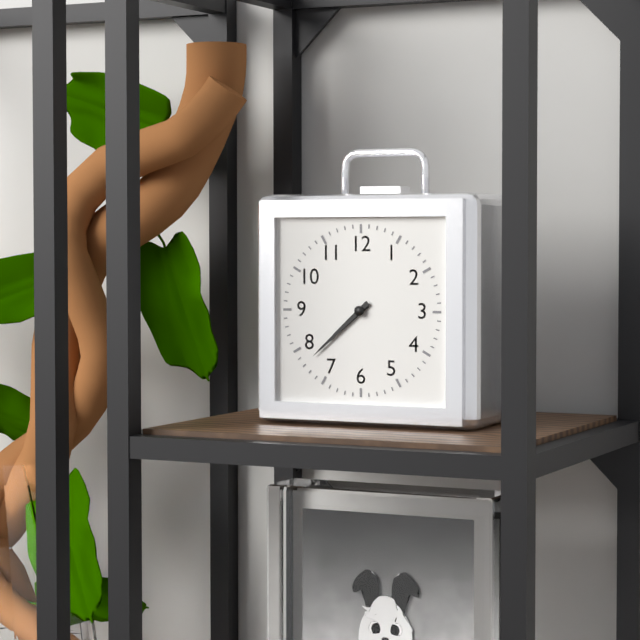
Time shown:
{"hour": 7, "minute": 38}
